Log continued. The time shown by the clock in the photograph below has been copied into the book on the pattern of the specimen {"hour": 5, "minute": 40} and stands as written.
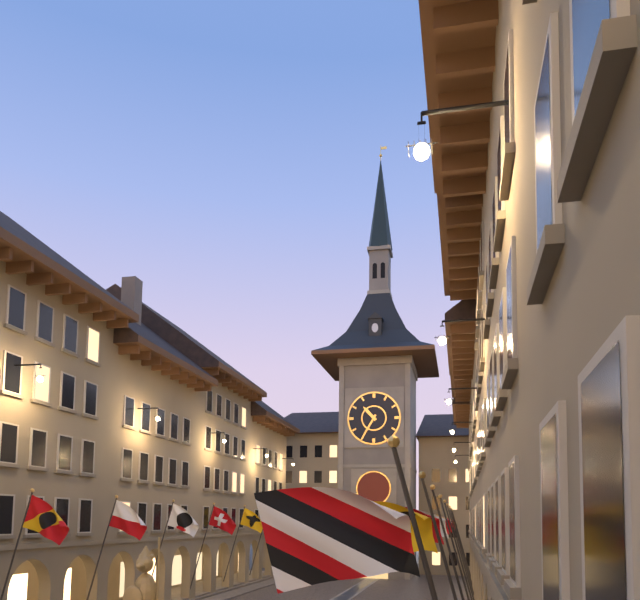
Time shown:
{"hour": 10, "minute": 35}
